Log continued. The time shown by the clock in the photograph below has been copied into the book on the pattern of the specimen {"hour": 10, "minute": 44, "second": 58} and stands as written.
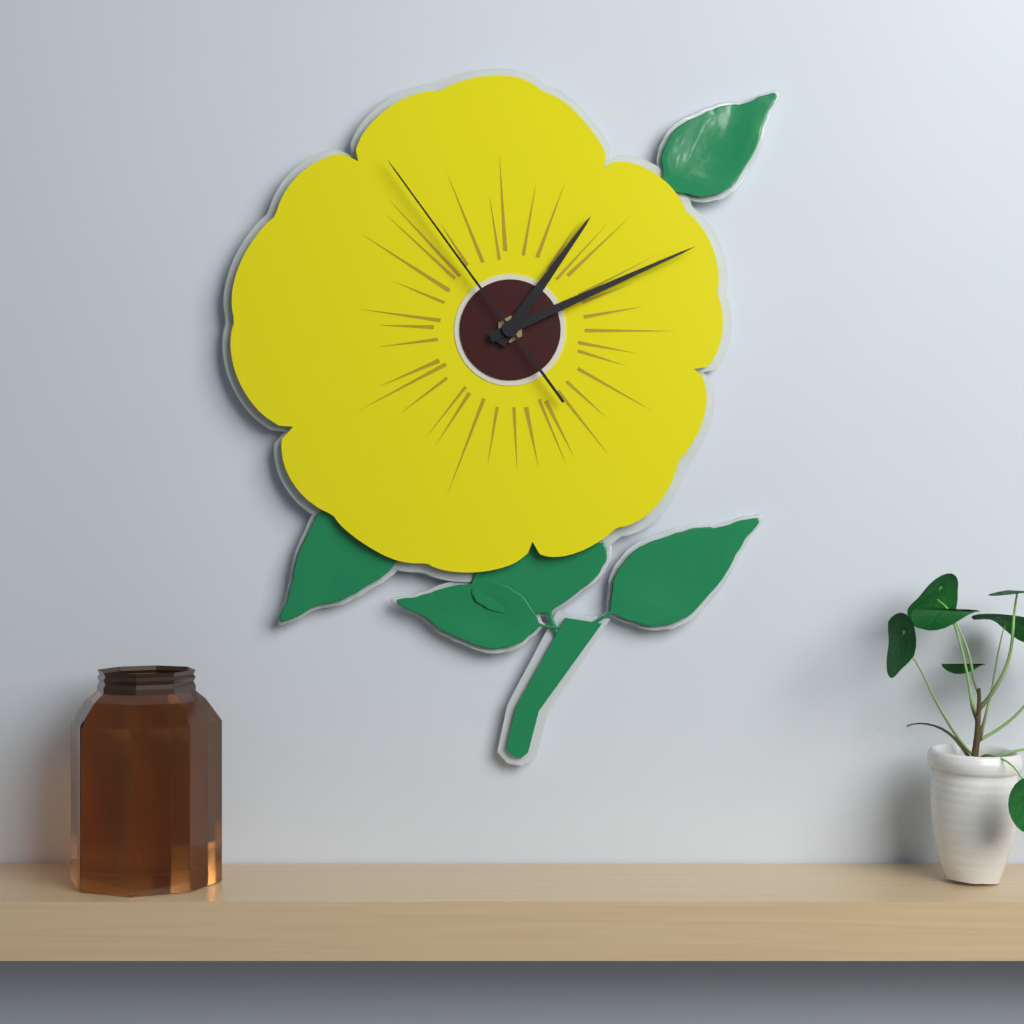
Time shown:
{"hour": 1, "minute": 11, "second": 54}
